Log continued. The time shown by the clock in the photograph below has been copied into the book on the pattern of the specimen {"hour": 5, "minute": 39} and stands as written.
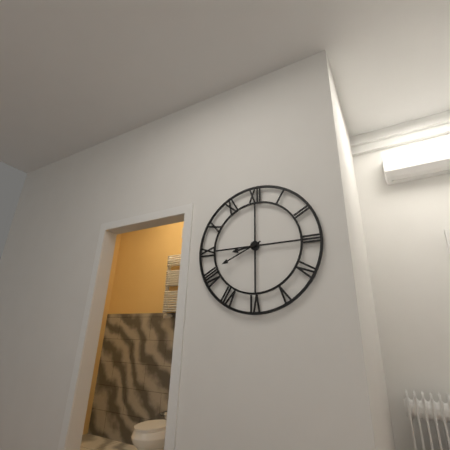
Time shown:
{"hour": 8, "minute": 41}
